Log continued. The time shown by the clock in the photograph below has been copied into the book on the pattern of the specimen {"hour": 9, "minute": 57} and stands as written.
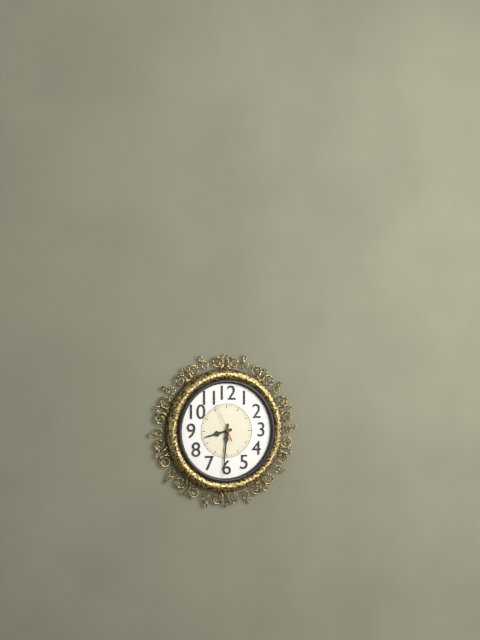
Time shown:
{"hour": 8, "minute": 31}
